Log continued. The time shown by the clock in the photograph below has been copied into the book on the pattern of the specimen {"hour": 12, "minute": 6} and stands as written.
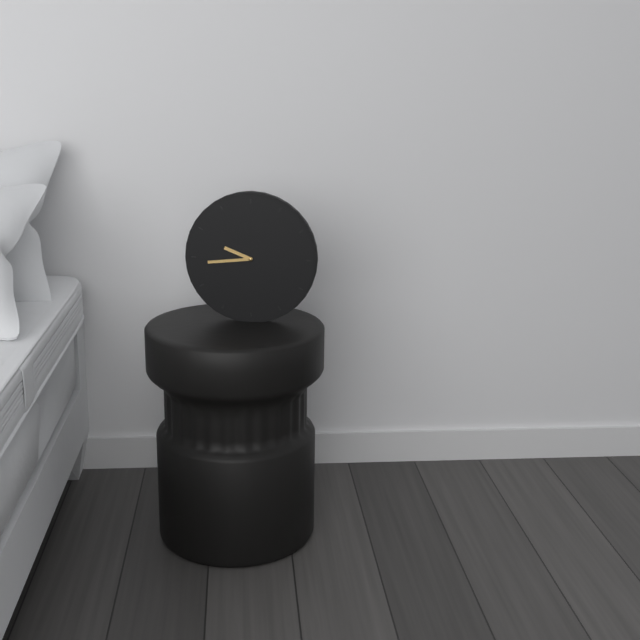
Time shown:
{"hour": 9, "minute": 44}
